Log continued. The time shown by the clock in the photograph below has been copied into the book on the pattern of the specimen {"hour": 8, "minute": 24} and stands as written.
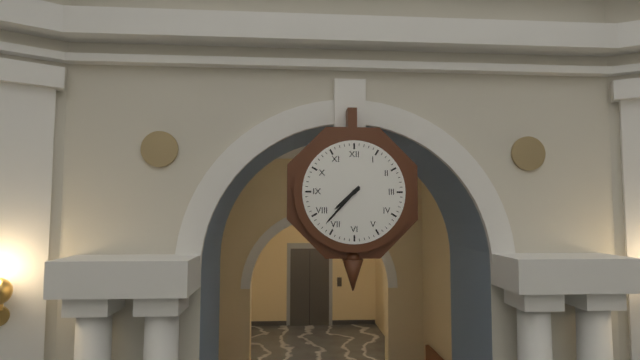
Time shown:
{"hour": 7, "minute": 37}
